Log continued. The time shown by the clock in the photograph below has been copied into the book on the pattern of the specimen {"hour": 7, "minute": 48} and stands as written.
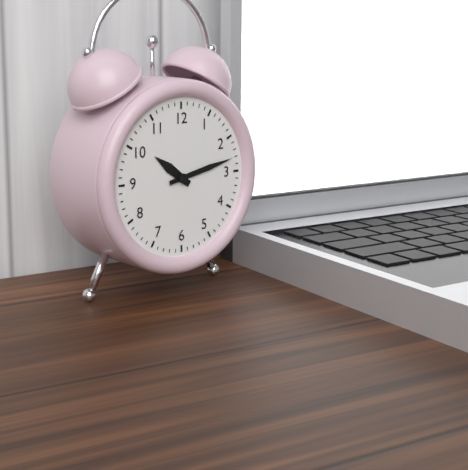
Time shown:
{"hour": 10, "minute": 13}
